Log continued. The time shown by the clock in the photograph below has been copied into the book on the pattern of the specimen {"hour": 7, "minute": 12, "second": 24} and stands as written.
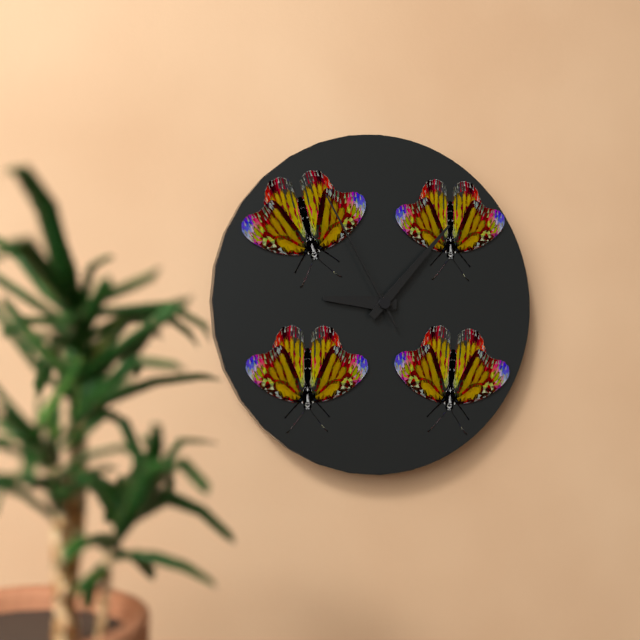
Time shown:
{"hour": 9, "minute": 7, "second": 55}
